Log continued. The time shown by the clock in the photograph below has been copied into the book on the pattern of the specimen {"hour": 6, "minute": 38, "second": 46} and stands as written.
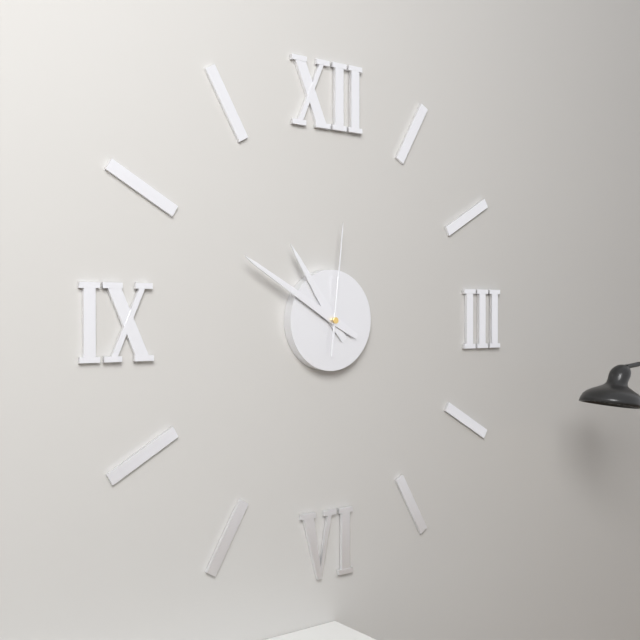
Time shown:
{"hour": 10, "minute": 50, "second": 1}
